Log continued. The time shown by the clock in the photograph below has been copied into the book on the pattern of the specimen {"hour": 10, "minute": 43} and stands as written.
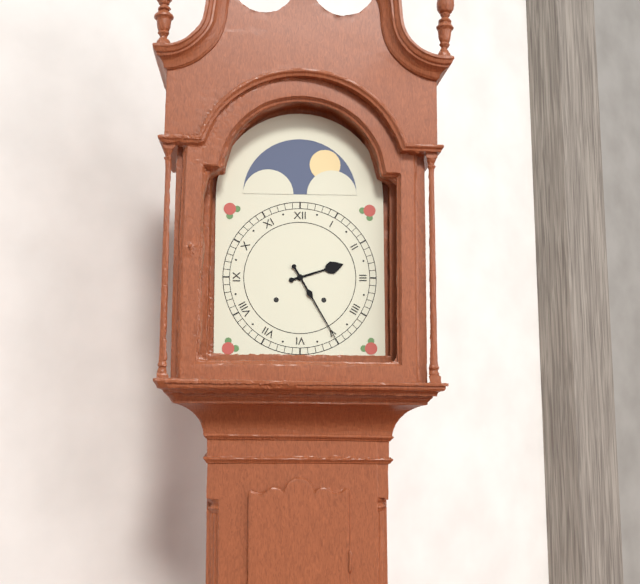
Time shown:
{"hour": 2, "minute": 25}
